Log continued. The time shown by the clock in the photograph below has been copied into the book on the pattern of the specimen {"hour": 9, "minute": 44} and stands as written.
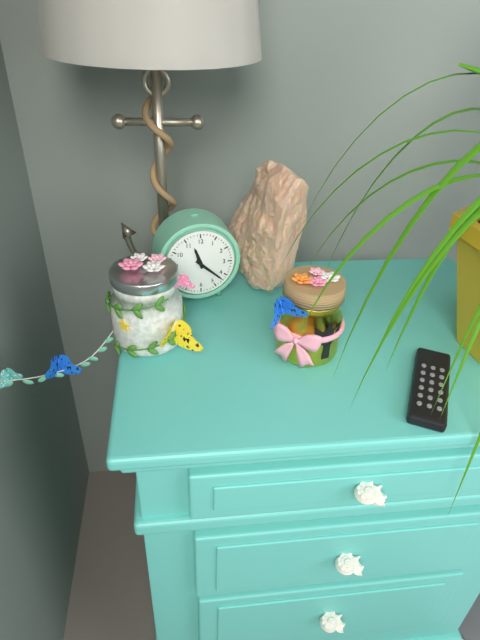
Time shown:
{"hour": 11, "minute": 22}
